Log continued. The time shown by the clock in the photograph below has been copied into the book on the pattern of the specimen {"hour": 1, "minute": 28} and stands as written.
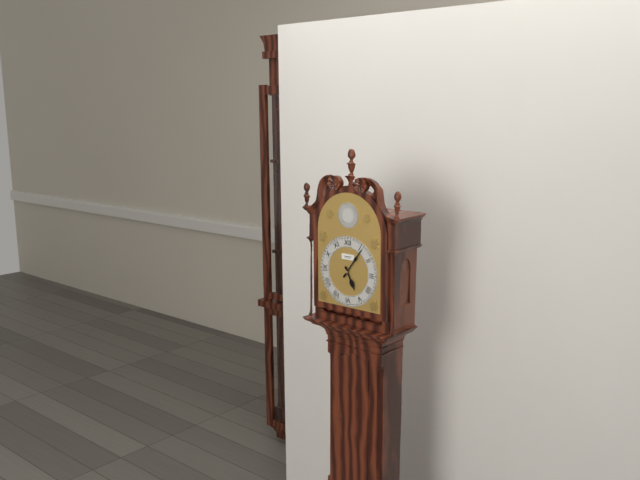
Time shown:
{"hour": 5, "minute": 6}
